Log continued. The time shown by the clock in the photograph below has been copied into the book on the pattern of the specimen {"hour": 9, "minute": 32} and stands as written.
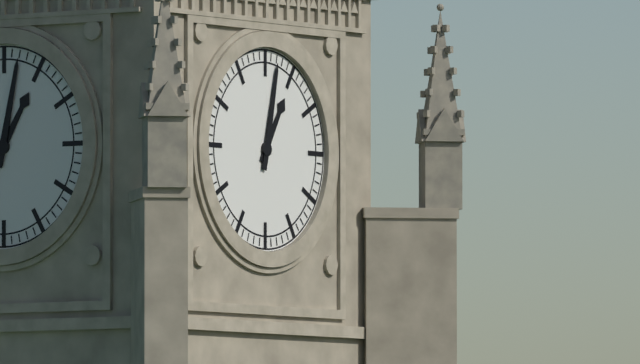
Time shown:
{"hour": 1, "minute": 2}
